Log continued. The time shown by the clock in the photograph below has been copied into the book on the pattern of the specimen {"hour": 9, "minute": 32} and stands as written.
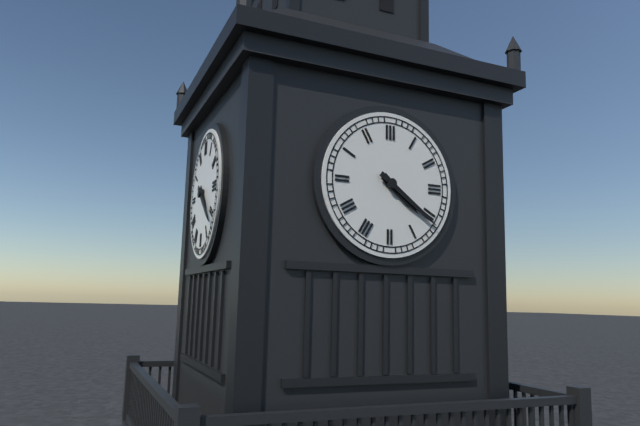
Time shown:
{"hour": 4, "minute": 21}
